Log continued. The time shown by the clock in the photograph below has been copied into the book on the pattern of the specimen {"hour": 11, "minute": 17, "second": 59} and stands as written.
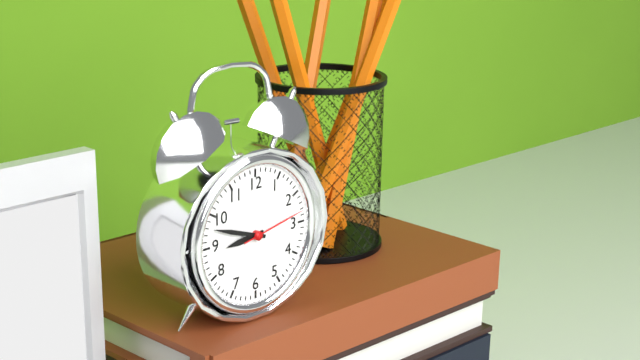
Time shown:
{"hour": 8, "minute": 48, "second": 13}
